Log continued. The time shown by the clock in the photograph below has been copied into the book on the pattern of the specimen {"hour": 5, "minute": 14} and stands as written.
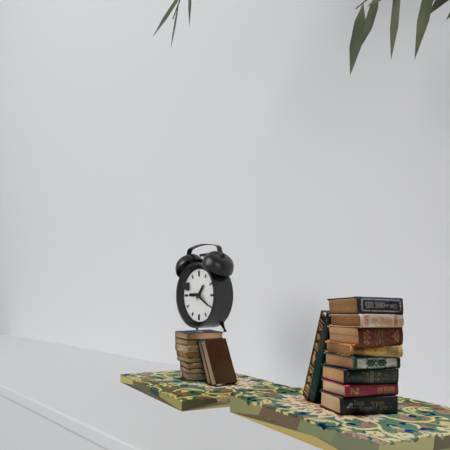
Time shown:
{"hour": 1, "minute": 20}
